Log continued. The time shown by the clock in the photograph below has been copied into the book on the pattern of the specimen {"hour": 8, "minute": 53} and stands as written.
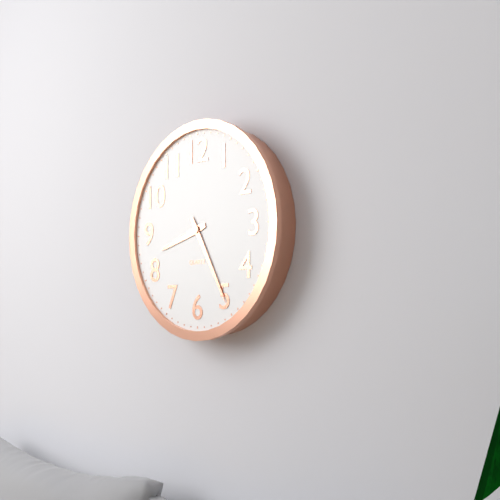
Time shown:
{"hour": 8, "minute": 25}
